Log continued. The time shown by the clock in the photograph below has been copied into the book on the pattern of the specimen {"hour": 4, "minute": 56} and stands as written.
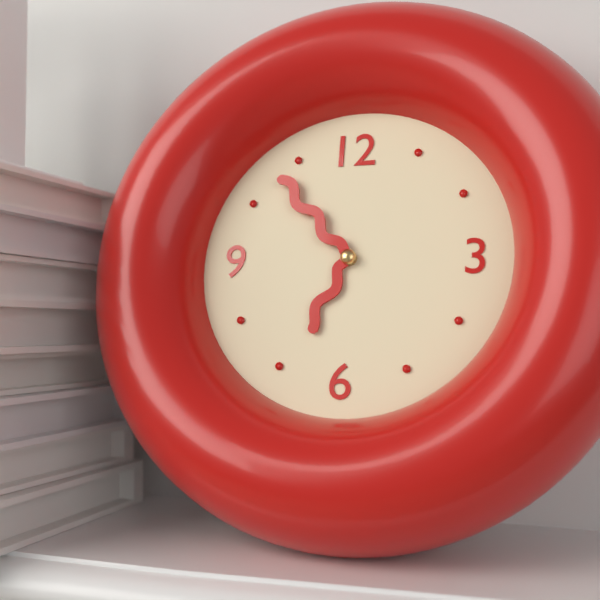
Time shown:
{"hour": 6, "minute": 53}
